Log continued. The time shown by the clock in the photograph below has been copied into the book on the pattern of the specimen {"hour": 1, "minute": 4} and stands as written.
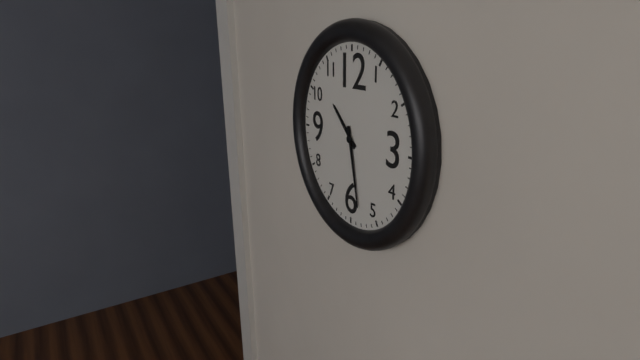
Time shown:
{"hour": 10, "minute": 28}
